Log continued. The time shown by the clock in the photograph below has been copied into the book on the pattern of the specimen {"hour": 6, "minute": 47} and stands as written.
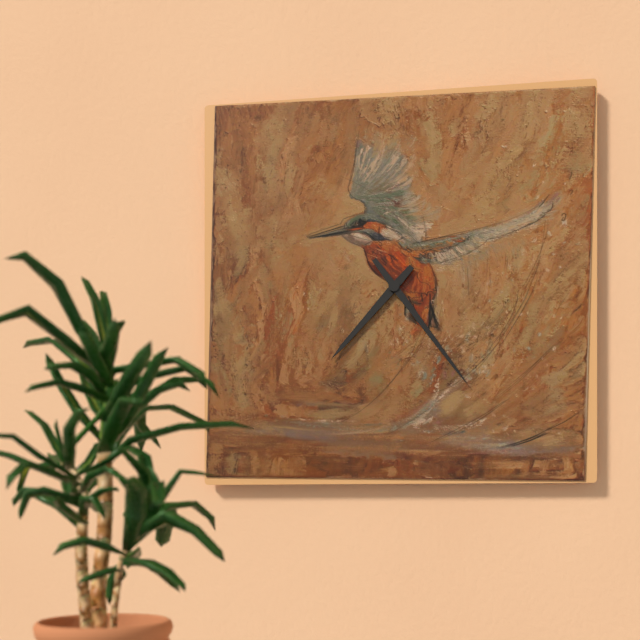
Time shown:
{"hour": 7, "minute": 24}
